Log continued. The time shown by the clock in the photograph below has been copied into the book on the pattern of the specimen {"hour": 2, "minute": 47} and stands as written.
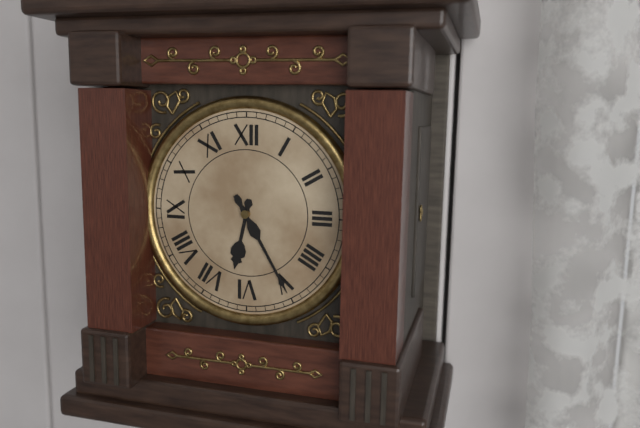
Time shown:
{"hour": 6, "minute": 25}
